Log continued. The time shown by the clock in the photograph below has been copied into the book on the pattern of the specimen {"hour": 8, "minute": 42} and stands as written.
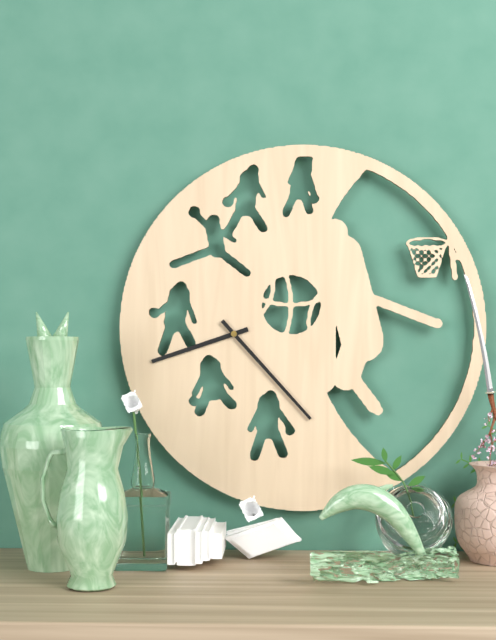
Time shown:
{"hour": 8, "minute": 23}
